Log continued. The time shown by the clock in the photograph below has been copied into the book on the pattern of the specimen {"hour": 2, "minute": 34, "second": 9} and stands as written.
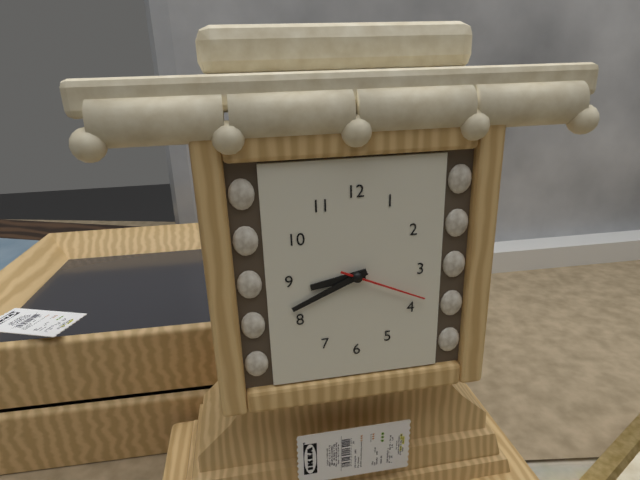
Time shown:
{"hour": 8, "minute": 41, "second": 19}
